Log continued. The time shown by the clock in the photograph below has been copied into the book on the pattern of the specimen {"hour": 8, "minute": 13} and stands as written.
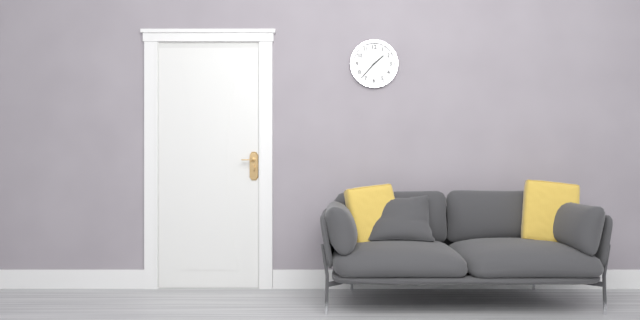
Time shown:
{"hour": 1, "minute": 37}
